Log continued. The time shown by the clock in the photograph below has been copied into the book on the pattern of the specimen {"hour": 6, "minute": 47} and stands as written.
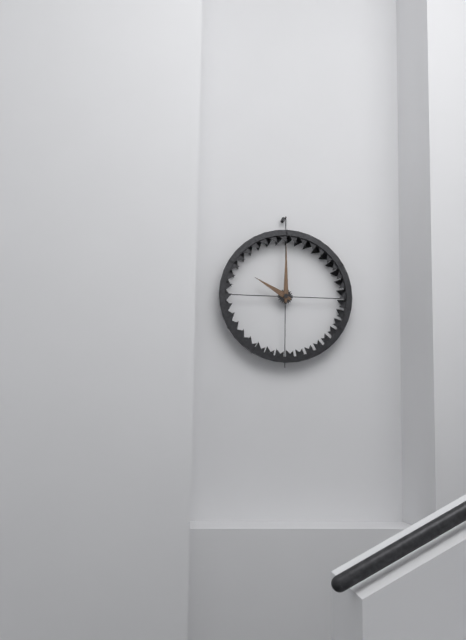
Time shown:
{"hour": 10, "minute": 0}
